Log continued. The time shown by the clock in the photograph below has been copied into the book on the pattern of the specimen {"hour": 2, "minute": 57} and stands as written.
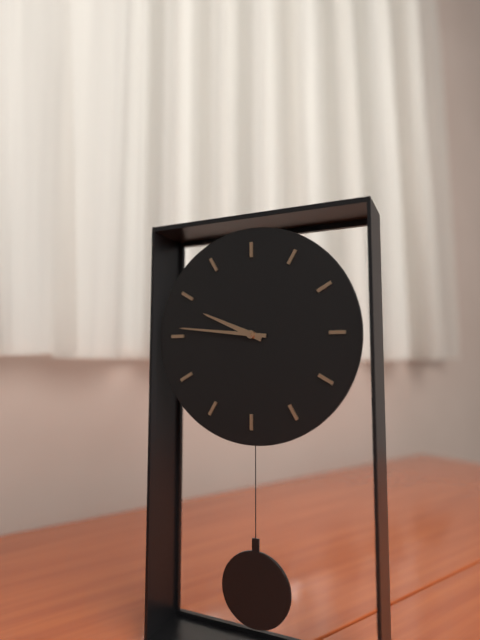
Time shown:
{"hour": 9, "minute": 46}
